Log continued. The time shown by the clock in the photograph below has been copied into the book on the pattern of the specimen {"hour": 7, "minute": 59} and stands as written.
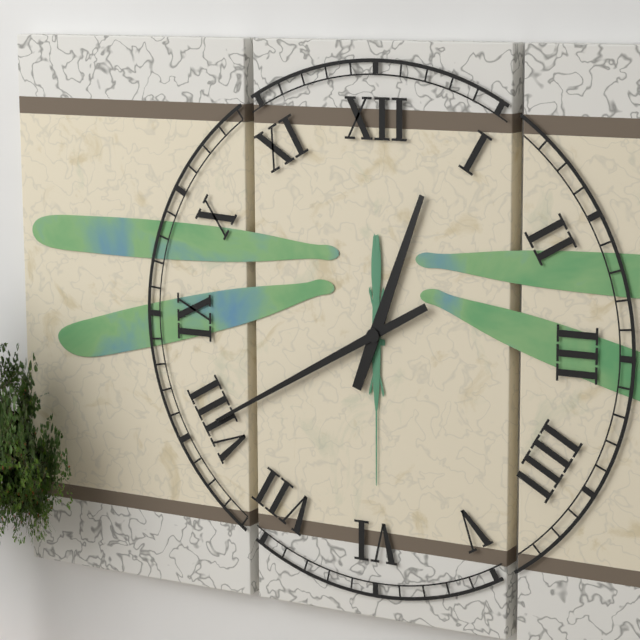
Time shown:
{"hour": 12, "minute": 40}
